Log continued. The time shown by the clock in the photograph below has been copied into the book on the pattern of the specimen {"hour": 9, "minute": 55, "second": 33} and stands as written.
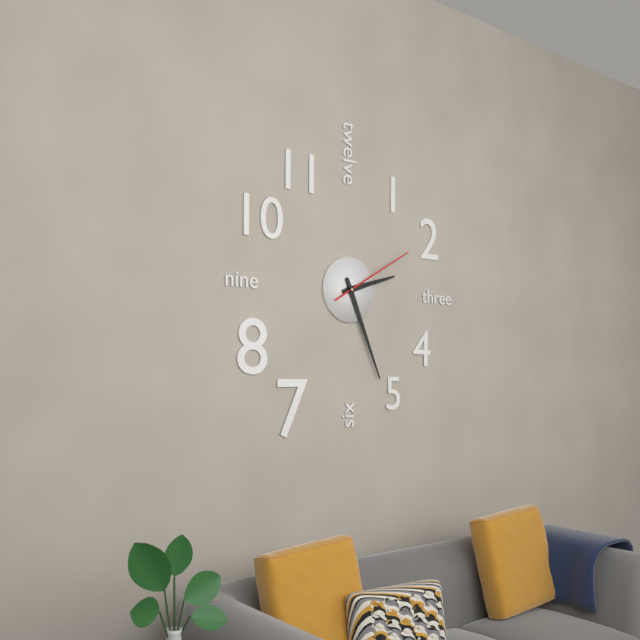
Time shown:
{"hour": 2, "minute": 26, "second": 10}
